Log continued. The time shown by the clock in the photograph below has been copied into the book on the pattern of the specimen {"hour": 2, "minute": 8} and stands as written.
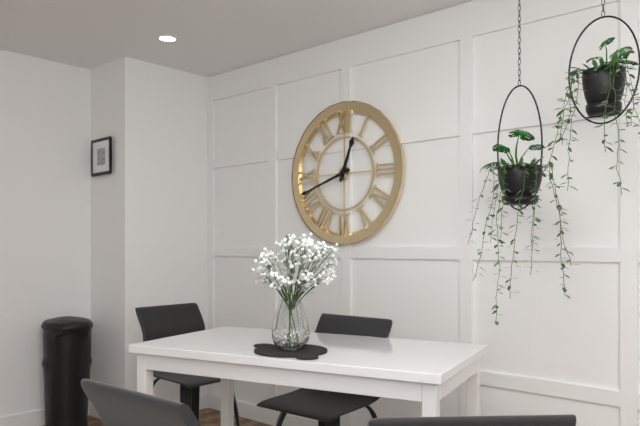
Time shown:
{"hour": 12, "minute": 42}
